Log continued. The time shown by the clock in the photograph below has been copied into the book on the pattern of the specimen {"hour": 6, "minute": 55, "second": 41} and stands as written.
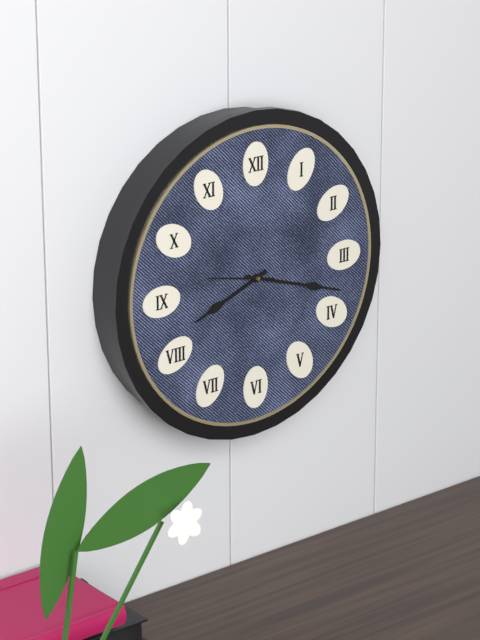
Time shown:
{"hour": 8, "minute": 18, "second": 47}
